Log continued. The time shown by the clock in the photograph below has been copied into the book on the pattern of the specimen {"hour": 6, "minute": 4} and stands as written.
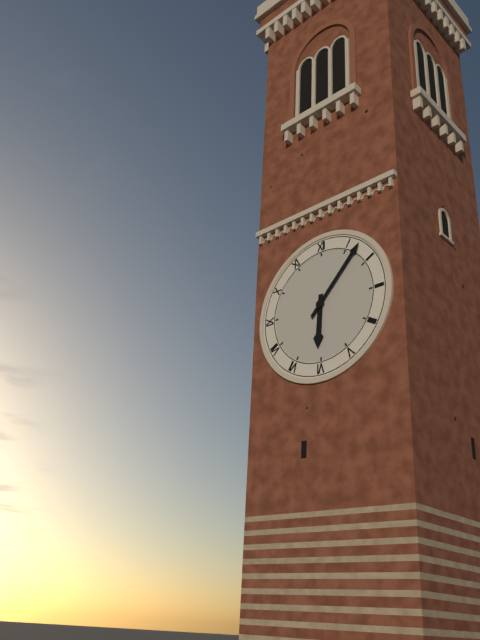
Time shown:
{"hour": 6, "minute": 7}
